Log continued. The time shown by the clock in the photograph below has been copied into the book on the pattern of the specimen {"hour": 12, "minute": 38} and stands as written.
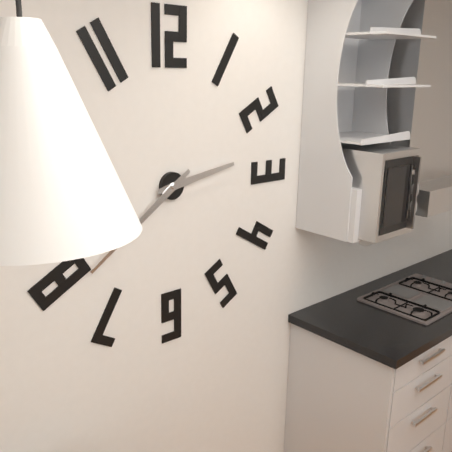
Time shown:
{"hour": 2, "minute": 39}
